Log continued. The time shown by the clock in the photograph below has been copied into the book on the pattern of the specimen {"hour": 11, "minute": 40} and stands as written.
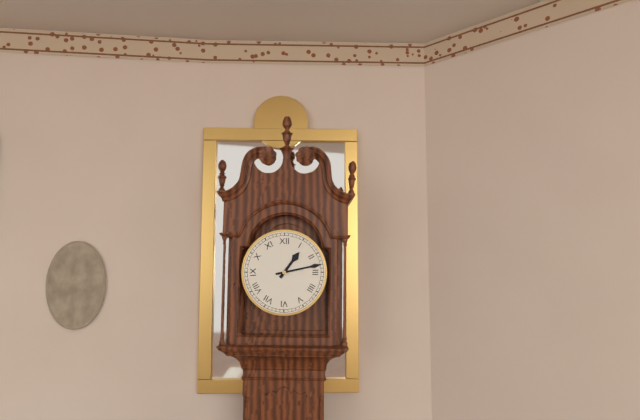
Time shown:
{"hour": 1, "minute": 13}
